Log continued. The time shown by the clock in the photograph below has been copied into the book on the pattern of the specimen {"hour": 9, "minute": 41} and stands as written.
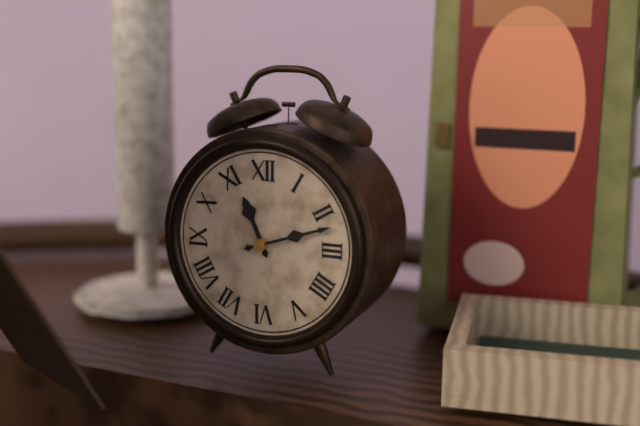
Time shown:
{"hour": 11, "minute": 12}
